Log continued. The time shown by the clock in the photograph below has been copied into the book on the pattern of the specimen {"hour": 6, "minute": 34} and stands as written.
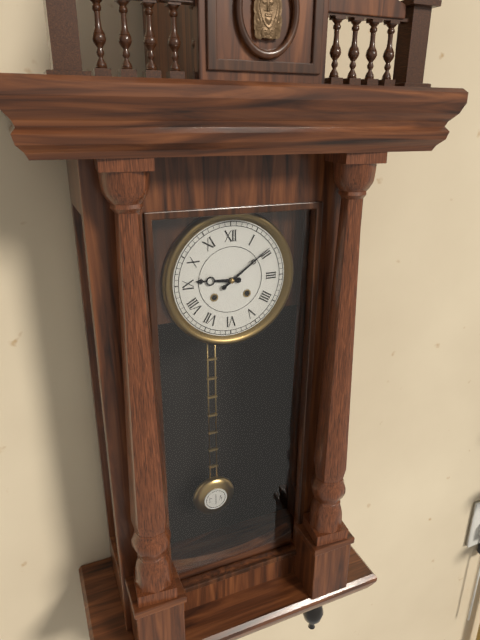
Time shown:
{"hour": 9, "minute": 9}
